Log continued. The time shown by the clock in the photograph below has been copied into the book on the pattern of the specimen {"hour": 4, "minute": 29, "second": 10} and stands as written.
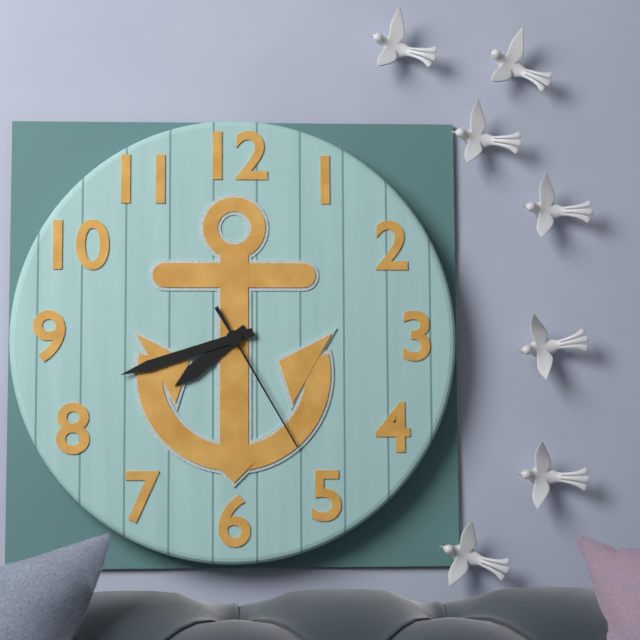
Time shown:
{"hour": 7, "minute": 42, "second": 25}
